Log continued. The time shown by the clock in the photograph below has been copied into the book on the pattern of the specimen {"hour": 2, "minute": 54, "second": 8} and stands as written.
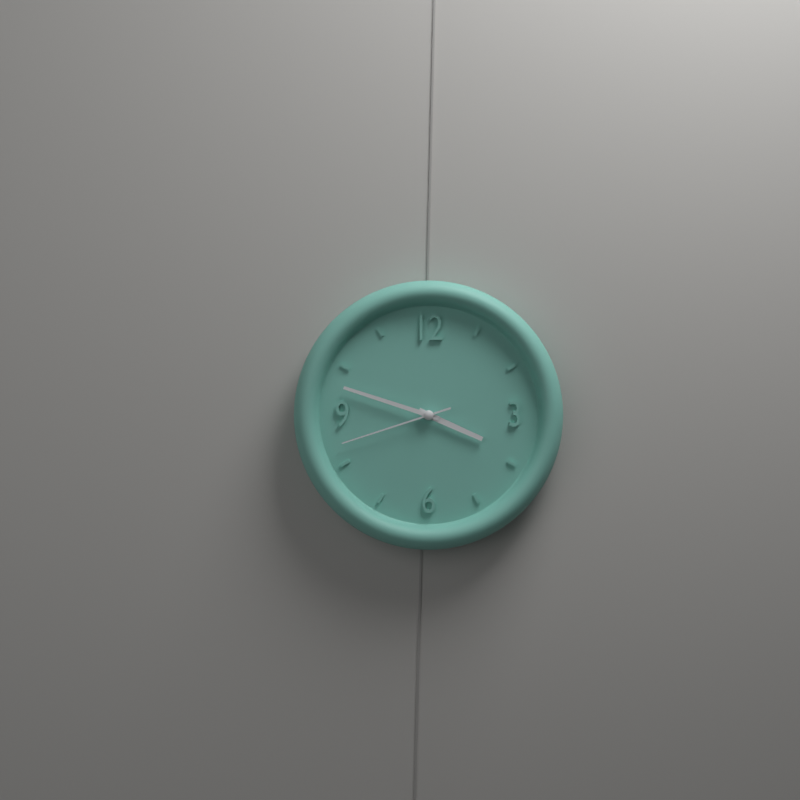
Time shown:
{"hour": 3, "minute": 48, "second": 42}
